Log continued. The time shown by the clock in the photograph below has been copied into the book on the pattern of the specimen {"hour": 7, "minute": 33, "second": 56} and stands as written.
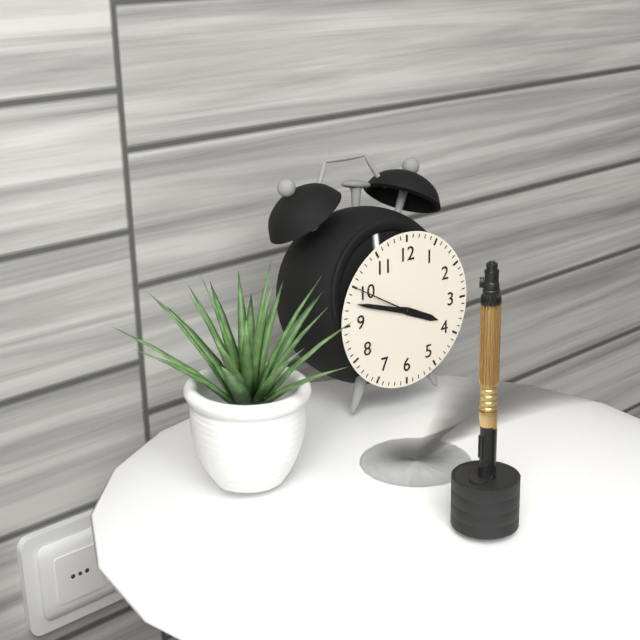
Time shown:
{"hour": 3, "minute": 48, "second": 50}
